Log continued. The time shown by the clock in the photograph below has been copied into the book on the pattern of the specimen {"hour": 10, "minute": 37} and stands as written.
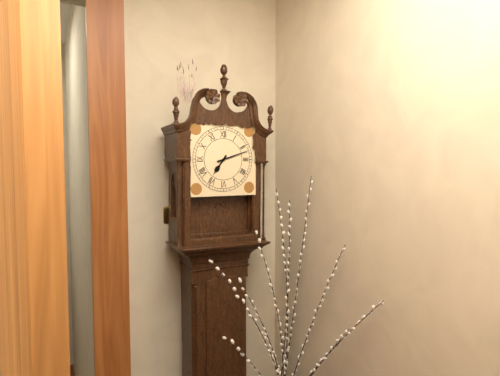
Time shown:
{"hour": 7, "minute": 12}
